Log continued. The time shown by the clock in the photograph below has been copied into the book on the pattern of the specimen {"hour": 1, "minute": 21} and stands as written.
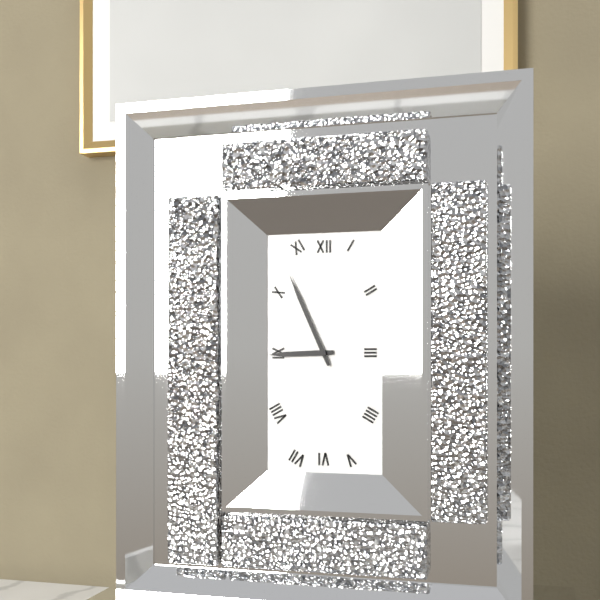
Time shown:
{"hour": 8, "minute": 56}
